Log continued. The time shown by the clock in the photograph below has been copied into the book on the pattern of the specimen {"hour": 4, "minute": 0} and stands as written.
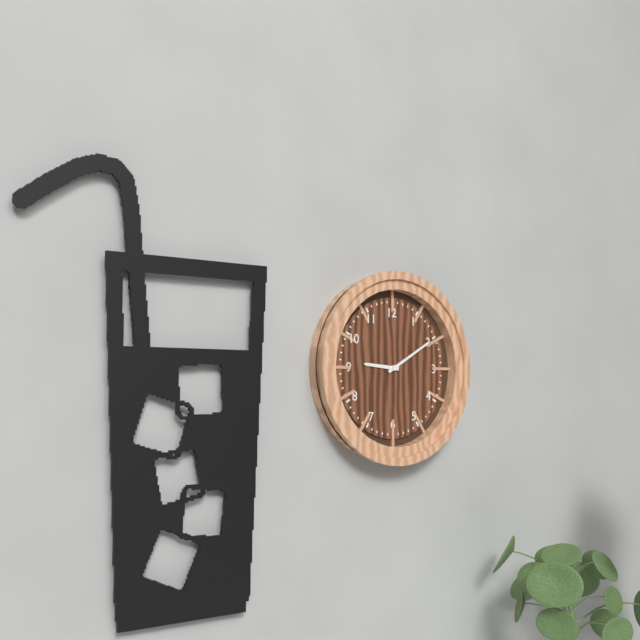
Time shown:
{"hour": 9, "minute": 10}
